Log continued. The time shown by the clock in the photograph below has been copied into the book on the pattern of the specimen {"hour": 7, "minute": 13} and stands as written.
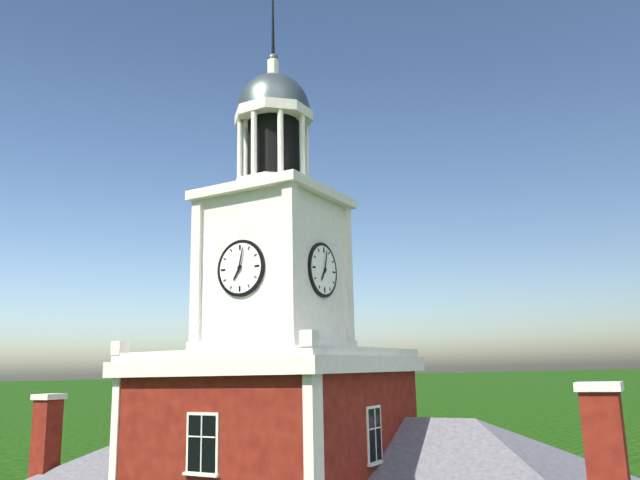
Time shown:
{"hour": 7, "minute": 2}
